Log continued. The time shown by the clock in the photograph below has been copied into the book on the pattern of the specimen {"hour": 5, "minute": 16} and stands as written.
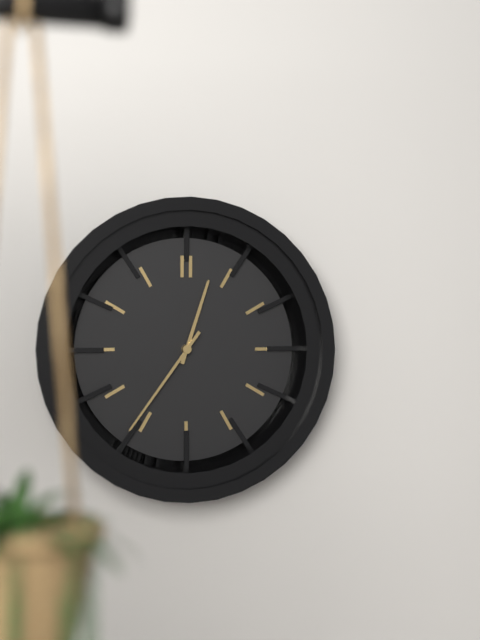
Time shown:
{"hour": 12, "minute": 36}
